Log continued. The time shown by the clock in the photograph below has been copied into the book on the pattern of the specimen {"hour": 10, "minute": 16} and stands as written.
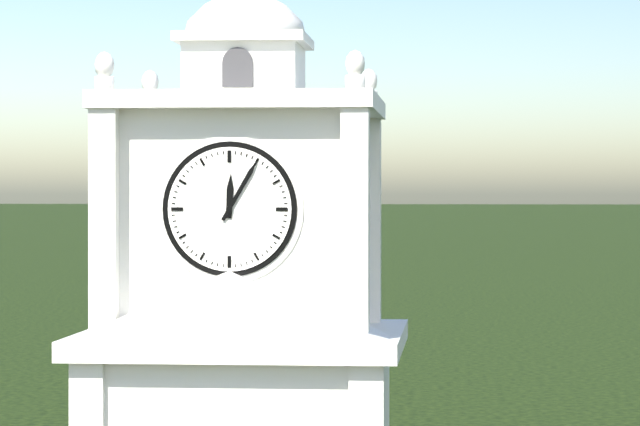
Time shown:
{"hour": 12, "minute": 5}
